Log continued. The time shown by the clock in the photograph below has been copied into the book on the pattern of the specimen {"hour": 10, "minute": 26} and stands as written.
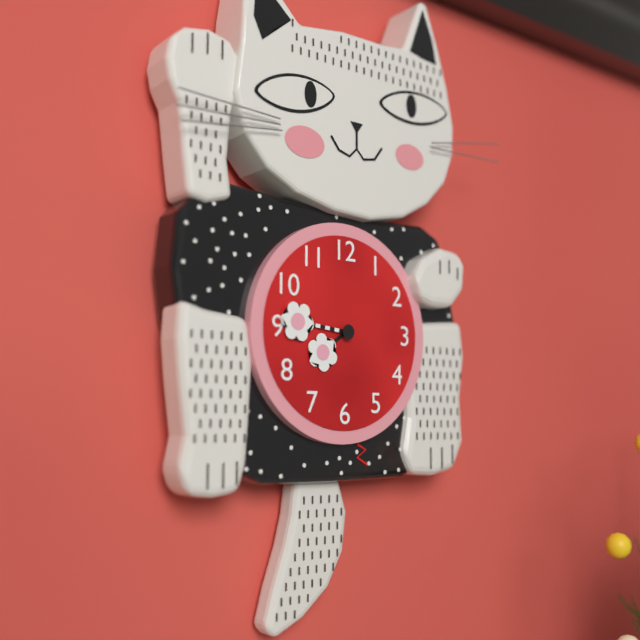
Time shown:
{"hour": 7, "minute": 46}
